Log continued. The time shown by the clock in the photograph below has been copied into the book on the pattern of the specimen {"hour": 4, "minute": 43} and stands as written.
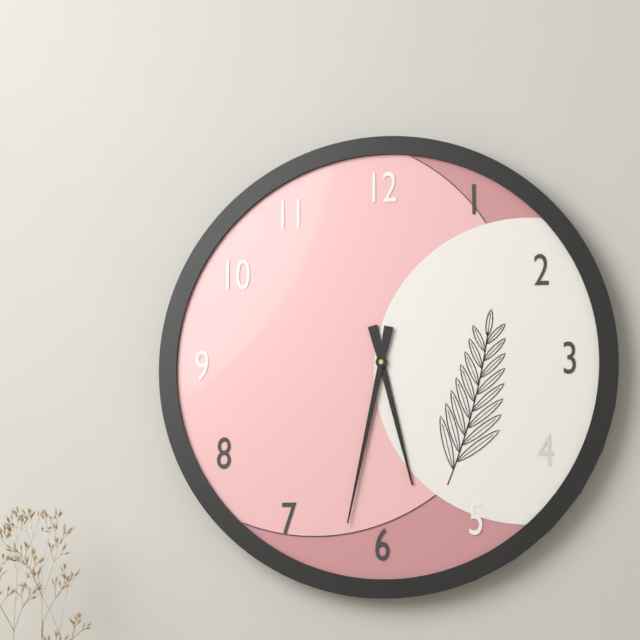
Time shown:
{"hour": 5, "minute": 32}
